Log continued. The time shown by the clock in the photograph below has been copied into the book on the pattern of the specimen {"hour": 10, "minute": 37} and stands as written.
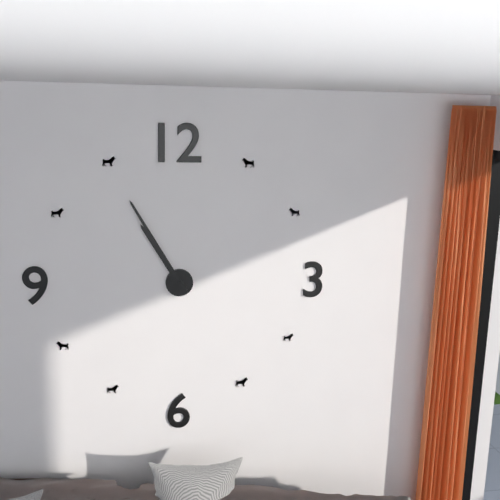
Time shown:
{"hour": 10, "minute": 55}
